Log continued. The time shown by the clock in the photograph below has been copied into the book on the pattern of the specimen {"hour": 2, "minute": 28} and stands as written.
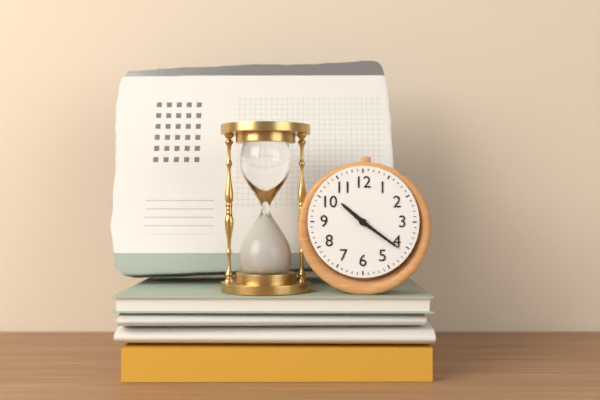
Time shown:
{"hour": 10, "minute": 21}
